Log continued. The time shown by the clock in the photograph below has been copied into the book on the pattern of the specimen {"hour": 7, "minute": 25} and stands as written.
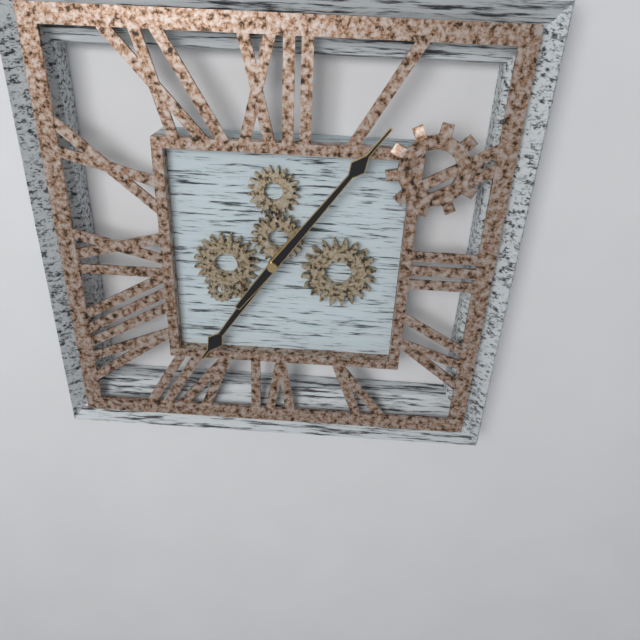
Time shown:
{"hour": 7, "minute": 6}
